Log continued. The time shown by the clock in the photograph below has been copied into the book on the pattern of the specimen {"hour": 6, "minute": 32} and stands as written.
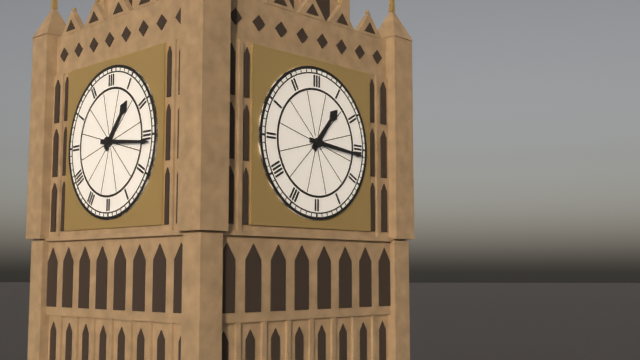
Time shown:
{"hour": 1, "minute": 16}
